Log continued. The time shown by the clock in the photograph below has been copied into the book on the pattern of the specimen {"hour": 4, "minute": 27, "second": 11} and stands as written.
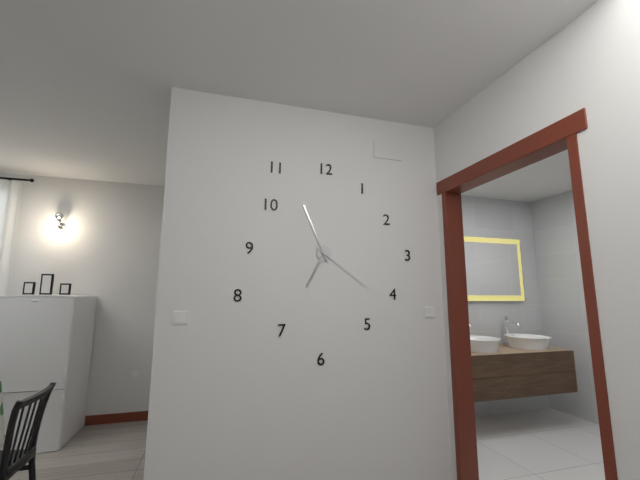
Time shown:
{"hour": 6, "minute": 56, "second": 21}
